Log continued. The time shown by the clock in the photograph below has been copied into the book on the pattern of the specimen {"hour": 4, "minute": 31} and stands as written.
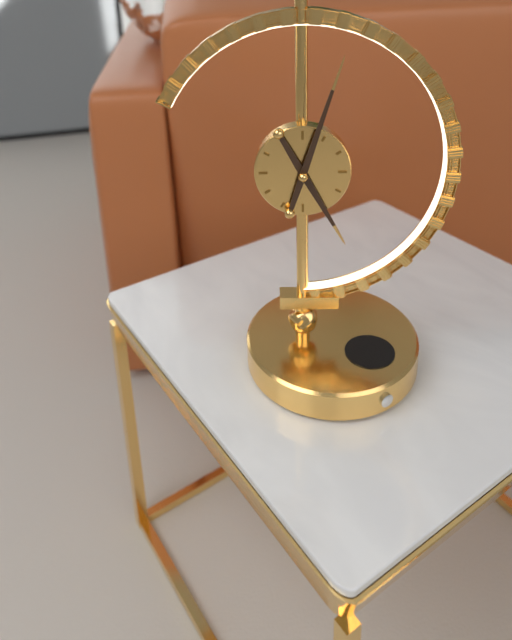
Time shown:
{"hour": 5, "minute": 3}
